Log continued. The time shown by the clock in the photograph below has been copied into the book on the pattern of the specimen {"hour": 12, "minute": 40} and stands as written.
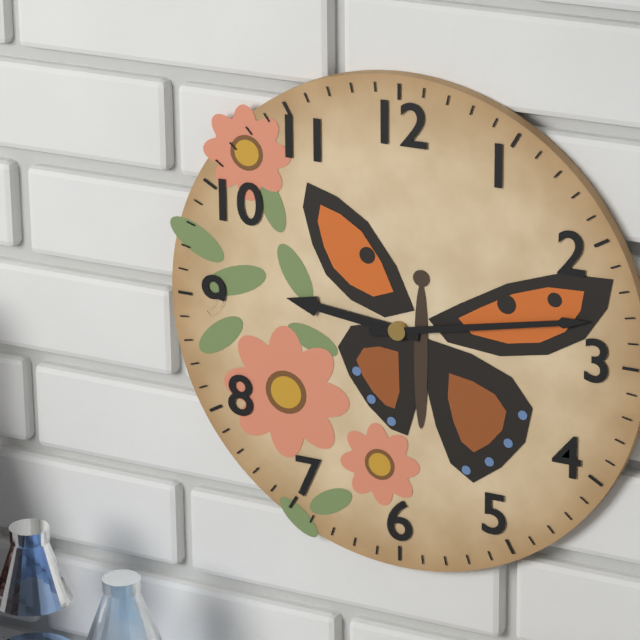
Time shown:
{"hour": 9, "minute": 13}
